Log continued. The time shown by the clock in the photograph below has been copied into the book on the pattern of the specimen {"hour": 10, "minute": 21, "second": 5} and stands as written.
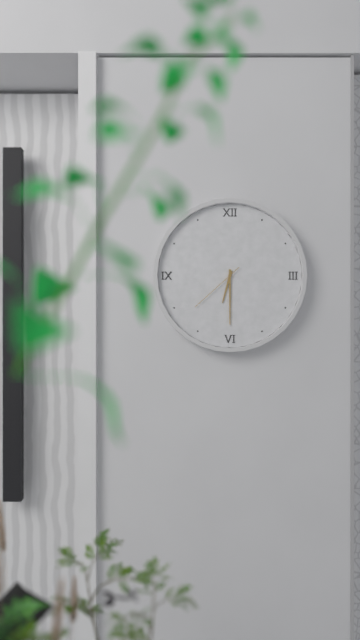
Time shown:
{"hour": 6, "minute": 30, "second": 38}
